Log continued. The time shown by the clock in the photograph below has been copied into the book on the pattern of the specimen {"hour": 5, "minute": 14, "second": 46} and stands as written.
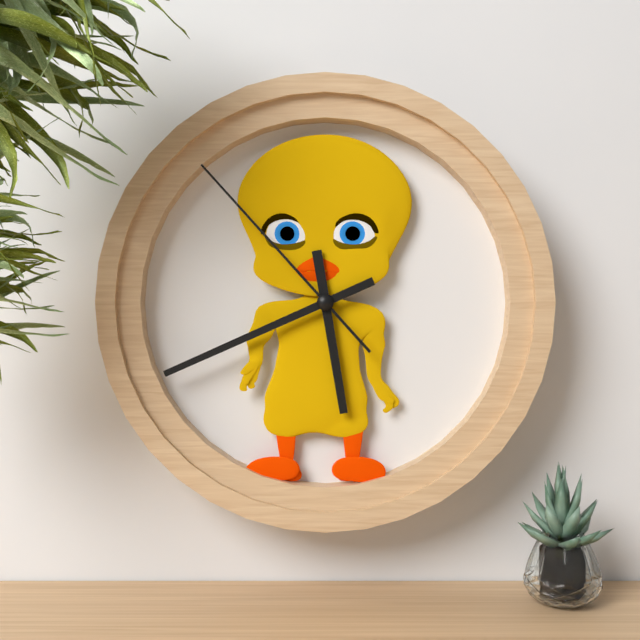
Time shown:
{"hour": 5, "minute": 41, "second": 53}
